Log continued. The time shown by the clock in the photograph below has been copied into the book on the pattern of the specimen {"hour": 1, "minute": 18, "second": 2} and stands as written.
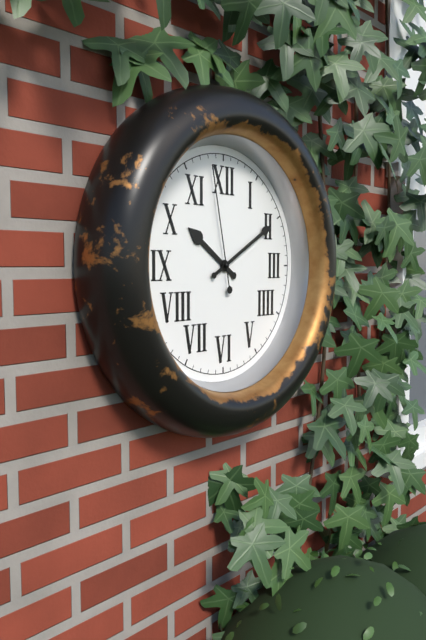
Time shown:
{"hour": 10, "minute": 10, "second": 58}
